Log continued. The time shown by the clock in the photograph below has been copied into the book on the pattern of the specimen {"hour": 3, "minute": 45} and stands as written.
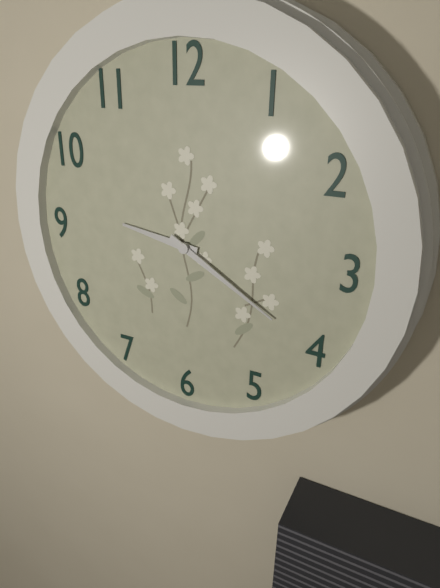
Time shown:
{"hour": 9, "minute": 20}
